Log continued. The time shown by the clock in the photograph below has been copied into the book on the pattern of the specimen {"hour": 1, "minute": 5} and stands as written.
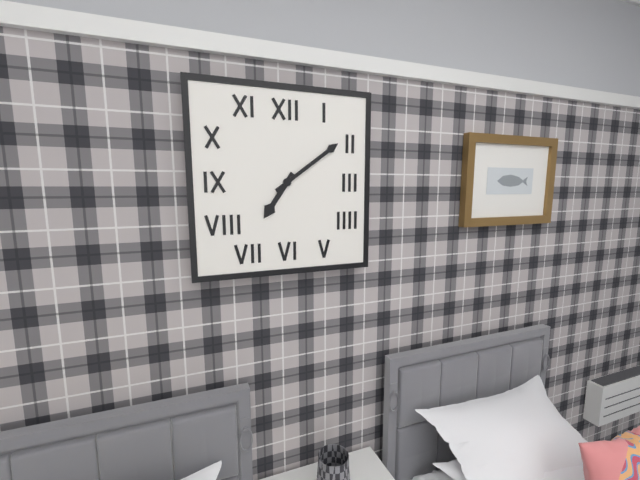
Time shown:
{"hour": 7, "minute": 9}
